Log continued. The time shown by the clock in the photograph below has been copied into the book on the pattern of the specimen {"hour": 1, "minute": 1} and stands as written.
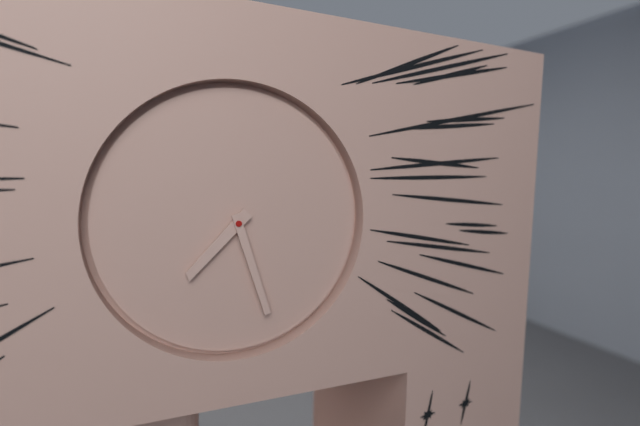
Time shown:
{"hour": 7, "minute": 27}
